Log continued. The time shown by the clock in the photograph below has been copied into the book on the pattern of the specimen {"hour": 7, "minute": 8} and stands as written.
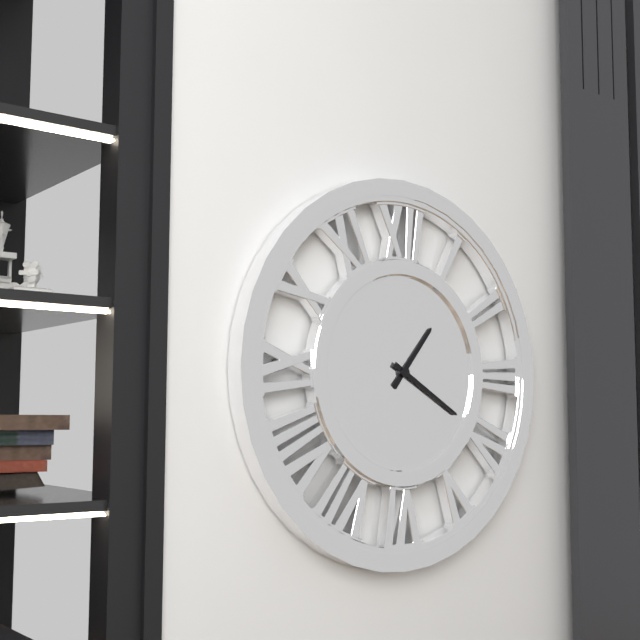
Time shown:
{"hour": 1, "minute": 20}
